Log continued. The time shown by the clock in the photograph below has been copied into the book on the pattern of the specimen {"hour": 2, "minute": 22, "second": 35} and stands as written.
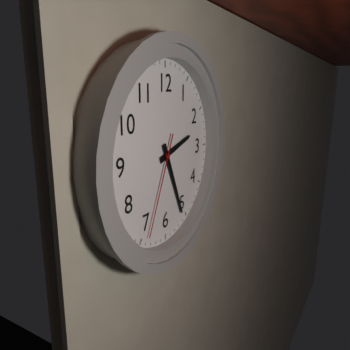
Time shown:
{"hour": 2, "minute": 26, "second": 34}
